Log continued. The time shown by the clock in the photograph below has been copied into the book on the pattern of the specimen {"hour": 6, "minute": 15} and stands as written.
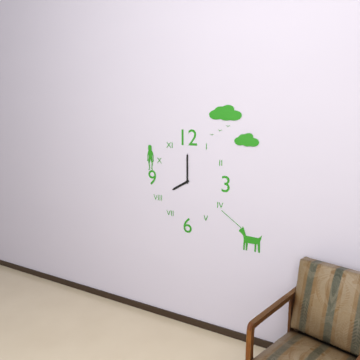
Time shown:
{"hour": 8, "minute": 0}
